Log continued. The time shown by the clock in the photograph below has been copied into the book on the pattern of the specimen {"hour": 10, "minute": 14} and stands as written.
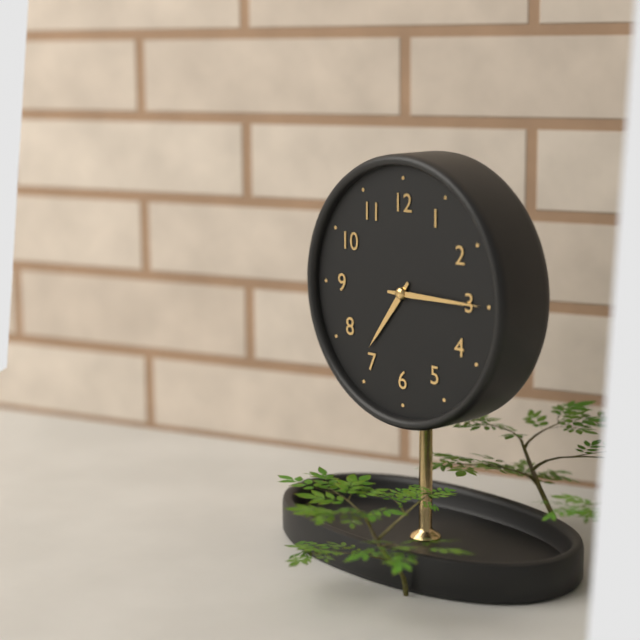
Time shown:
{"hour": 7, "minute": 15}
